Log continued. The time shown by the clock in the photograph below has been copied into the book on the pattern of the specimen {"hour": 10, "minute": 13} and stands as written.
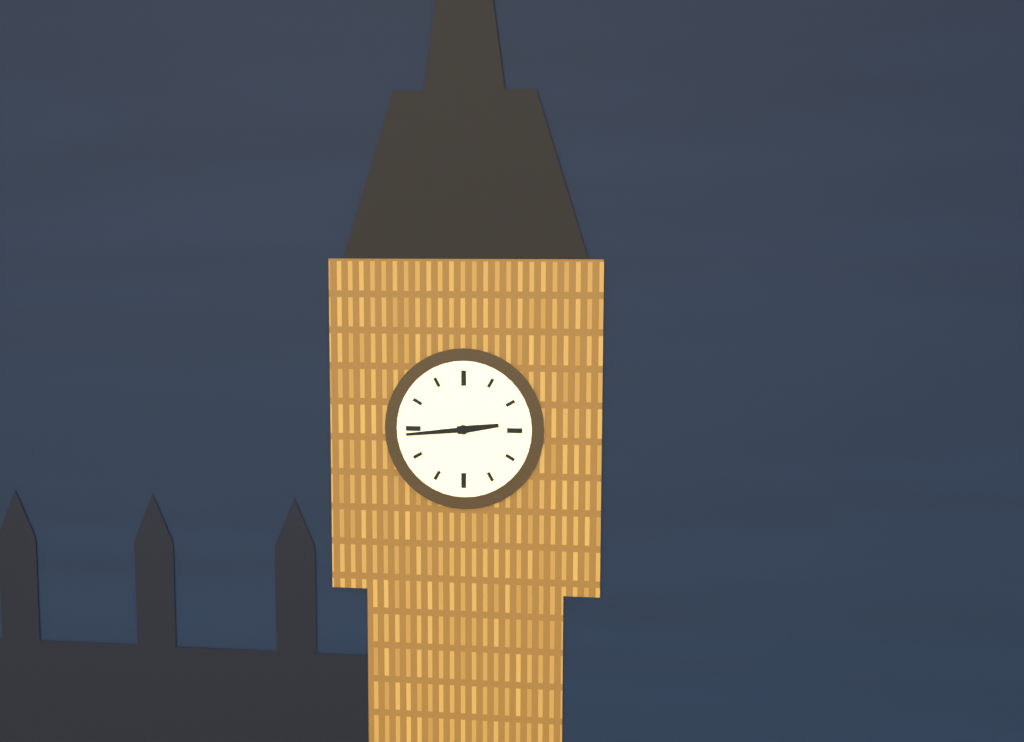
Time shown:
{"hour": 2, "minute": 44}
